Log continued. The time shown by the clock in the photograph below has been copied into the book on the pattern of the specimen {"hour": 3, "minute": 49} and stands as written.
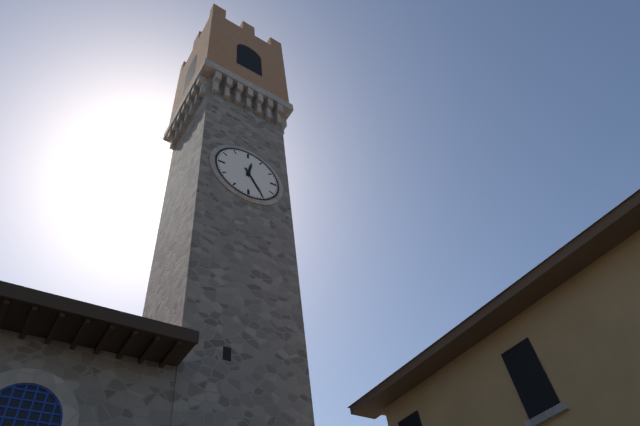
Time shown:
{"hour": 12, "minute": 25}
